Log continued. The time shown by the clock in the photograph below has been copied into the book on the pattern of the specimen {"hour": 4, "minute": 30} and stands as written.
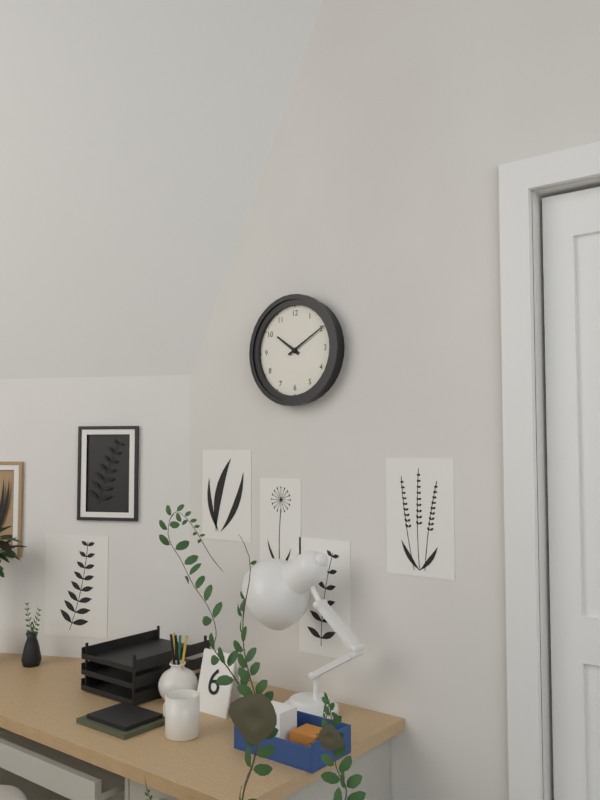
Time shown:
{"hour": 10, "minute": 10}
